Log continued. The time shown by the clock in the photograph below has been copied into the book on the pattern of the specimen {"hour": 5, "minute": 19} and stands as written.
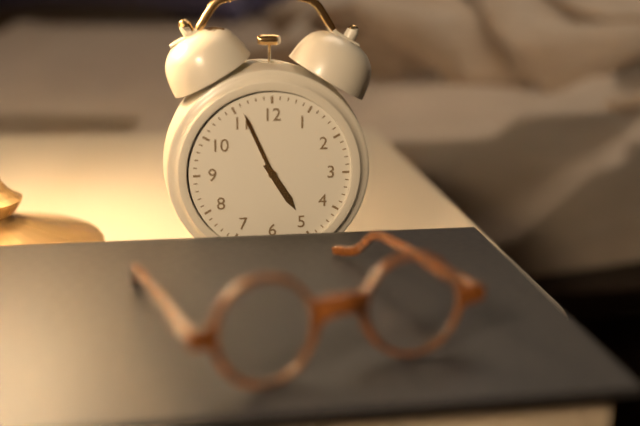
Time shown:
{"hour": 4, "minute": 56}
